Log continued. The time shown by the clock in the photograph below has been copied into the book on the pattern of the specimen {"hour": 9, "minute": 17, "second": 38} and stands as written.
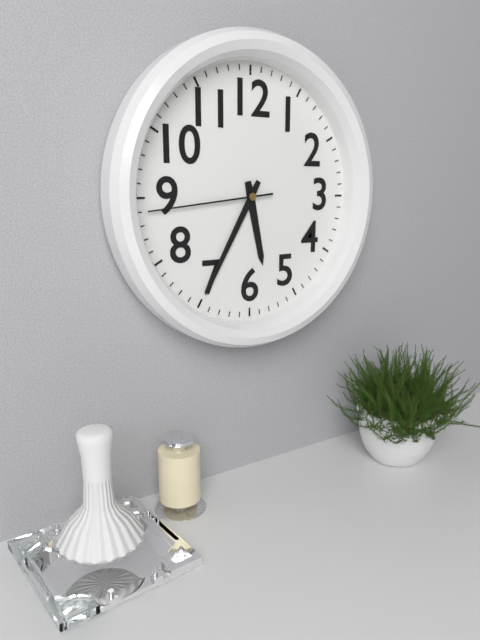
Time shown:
{"hour": 5, "minute": 35, "second": 44}
